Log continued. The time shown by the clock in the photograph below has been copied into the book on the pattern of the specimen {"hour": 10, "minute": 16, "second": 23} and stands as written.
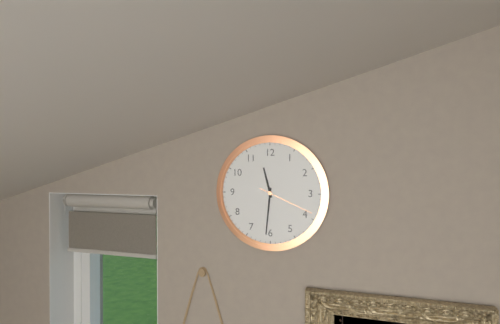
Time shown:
{"hour": 11, "minute": 31, "second": 19}
